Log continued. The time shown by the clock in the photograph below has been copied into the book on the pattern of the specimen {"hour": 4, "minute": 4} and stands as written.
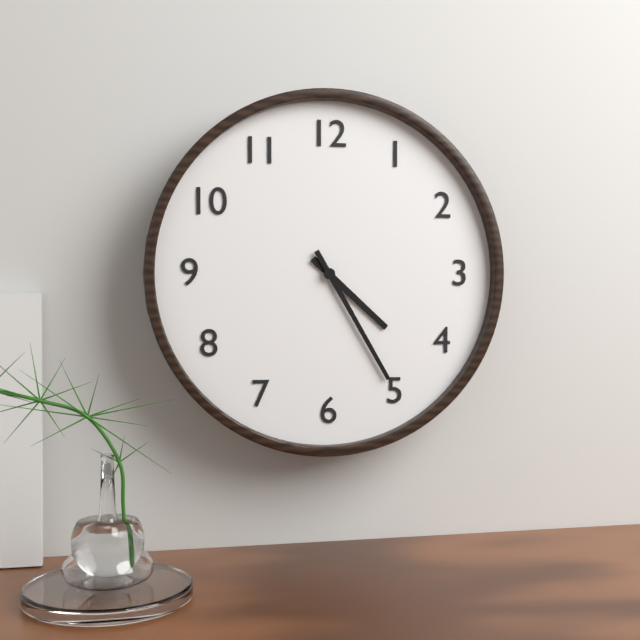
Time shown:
{"hour": 4, "minute": 25}
